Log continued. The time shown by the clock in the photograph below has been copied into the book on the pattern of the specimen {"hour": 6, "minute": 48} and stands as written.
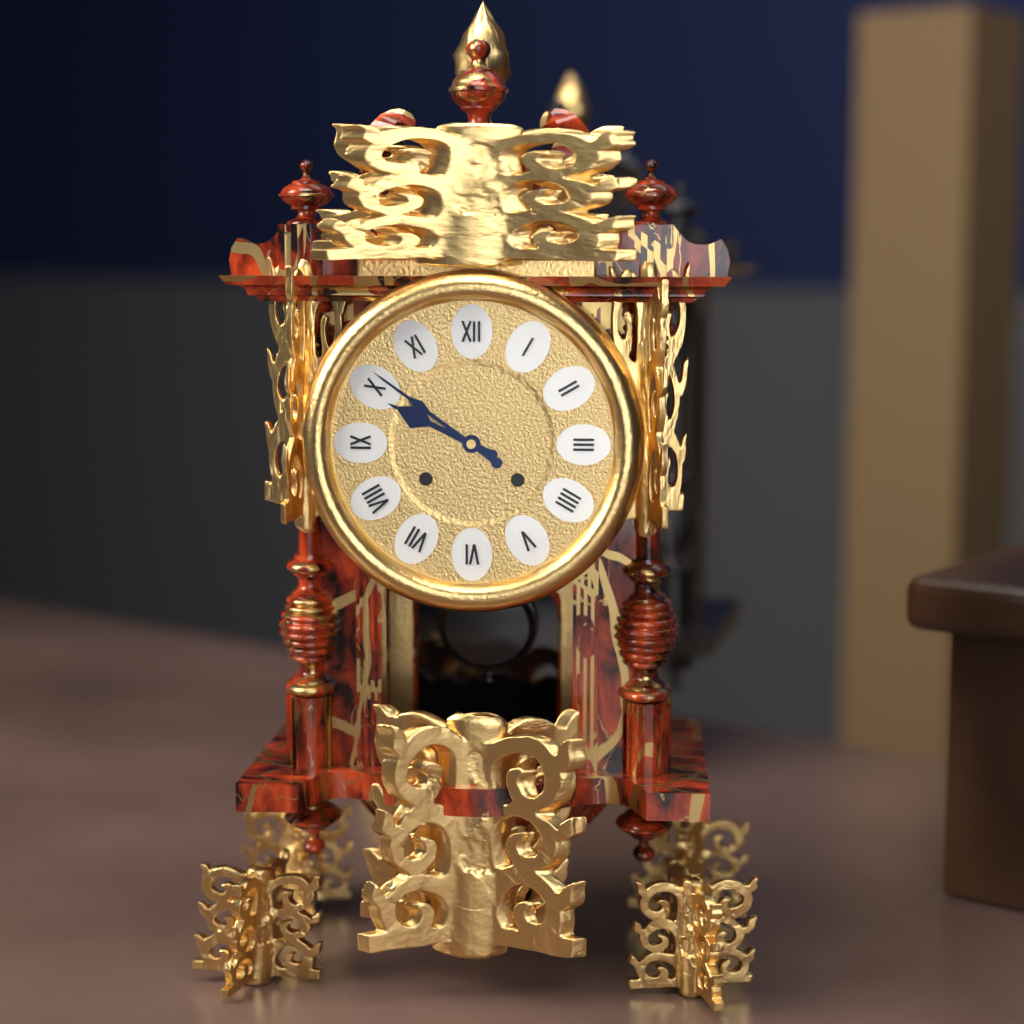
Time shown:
{"hour": 9, "minute": 51}
